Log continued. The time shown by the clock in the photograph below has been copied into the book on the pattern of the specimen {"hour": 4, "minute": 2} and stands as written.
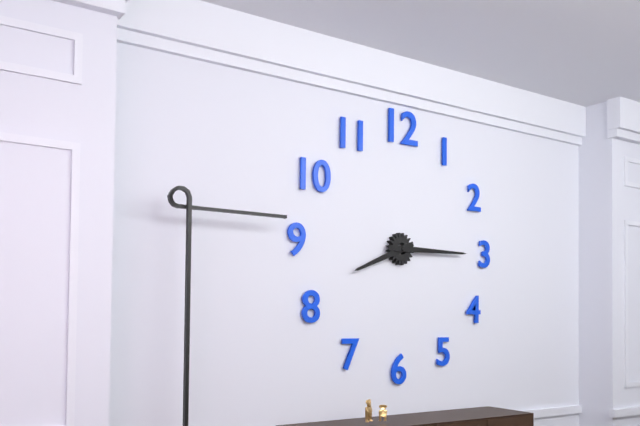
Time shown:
{"hour": 8, "minute": 15}
